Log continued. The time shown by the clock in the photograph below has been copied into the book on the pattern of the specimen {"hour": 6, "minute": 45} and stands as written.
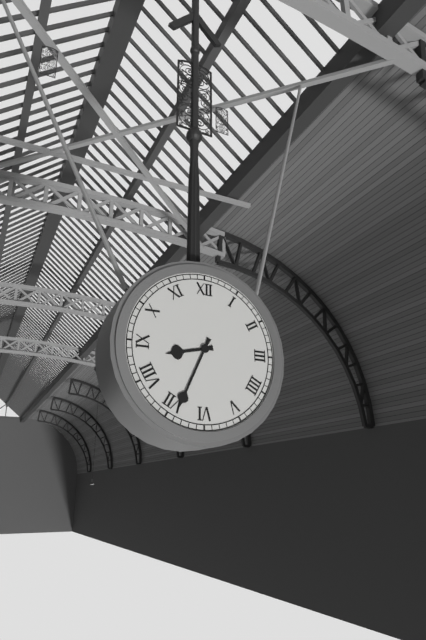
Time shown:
{"hour": 8, "minute": 34}
